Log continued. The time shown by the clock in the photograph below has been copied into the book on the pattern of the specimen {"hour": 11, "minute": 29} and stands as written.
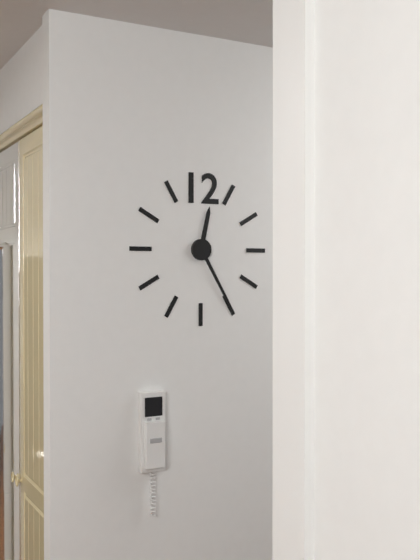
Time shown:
{"hour": 12, "minute": 25}
